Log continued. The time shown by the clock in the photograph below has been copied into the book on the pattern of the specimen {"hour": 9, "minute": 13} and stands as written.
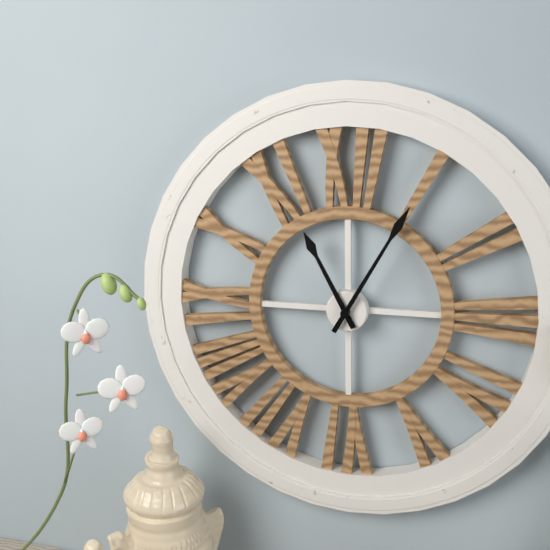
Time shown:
{"hour": 11, "minute": 5}
